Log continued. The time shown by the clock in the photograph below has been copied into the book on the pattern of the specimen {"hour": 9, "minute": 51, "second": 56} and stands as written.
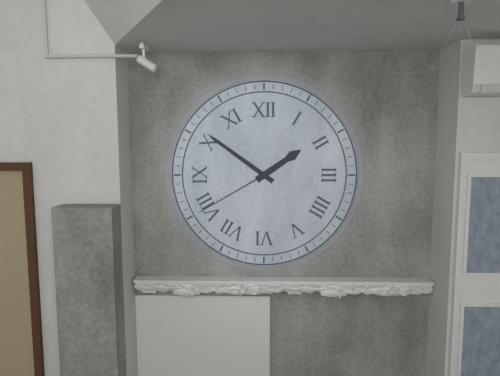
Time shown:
{"hour": 1, "minute": 51, "second": 40}
